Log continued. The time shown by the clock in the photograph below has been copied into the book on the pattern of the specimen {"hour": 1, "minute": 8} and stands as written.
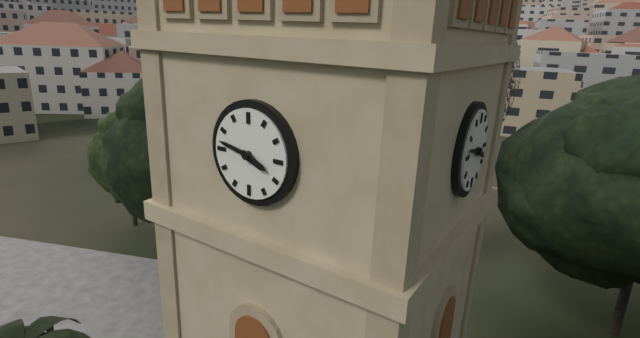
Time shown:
{"hour": 3, "minute": 47}
